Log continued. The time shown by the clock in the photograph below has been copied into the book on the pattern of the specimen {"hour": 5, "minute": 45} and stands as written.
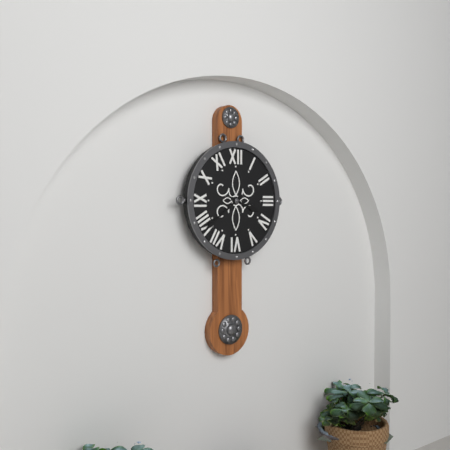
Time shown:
{"hour": 3, "minute": 39}
